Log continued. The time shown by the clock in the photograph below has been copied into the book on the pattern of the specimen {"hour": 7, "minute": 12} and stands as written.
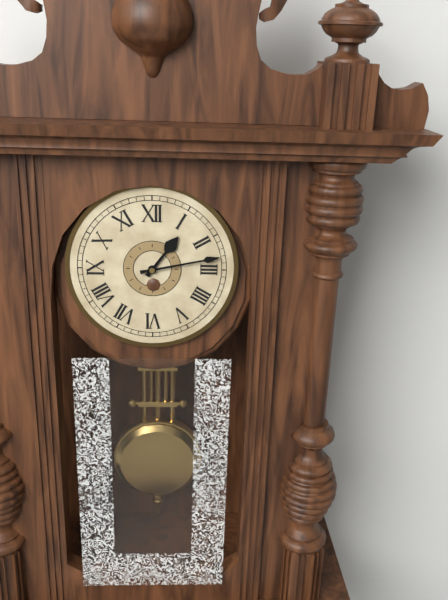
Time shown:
{"hour": 1, "minute": 13}
